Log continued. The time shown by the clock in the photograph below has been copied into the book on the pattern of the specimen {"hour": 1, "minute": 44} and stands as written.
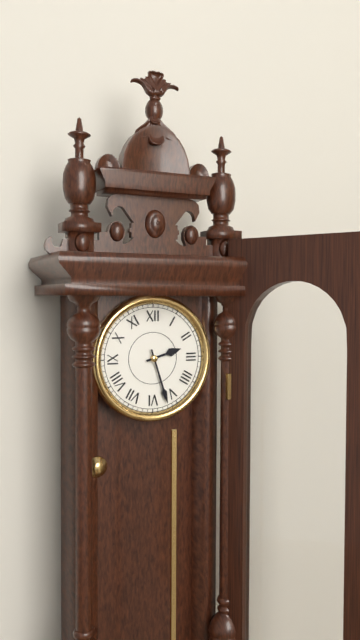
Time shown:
{"hour": 2, "minute": 27}
